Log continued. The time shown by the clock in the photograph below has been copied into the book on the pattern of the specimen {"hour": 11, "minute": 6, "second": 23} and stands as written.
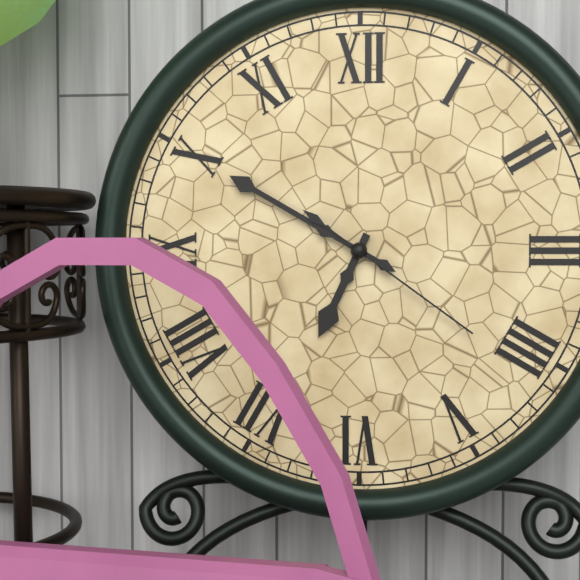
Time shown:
{"hour": 6, "minute": 50, "second": 21}
